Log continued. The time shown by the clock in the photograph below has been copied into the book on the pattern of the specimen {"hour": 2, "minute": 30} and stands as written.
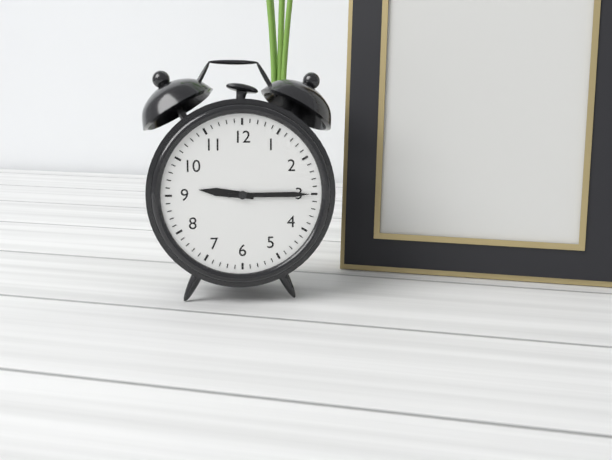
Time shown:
{"hour": 9, "minute": 15}
